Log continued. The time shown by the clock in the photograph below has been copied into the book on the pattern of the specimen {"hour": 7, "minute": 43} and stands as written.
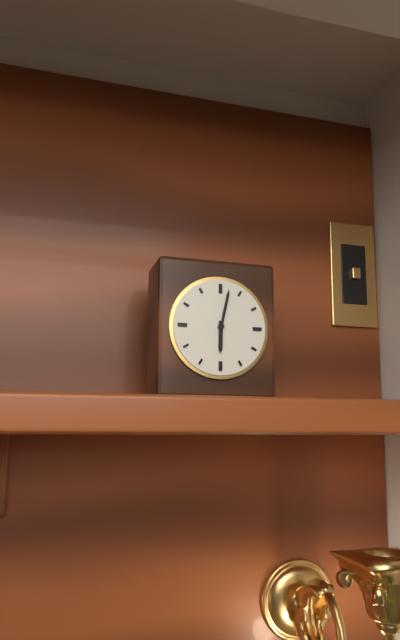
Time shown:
{"hour": 6, "minute": 2}
